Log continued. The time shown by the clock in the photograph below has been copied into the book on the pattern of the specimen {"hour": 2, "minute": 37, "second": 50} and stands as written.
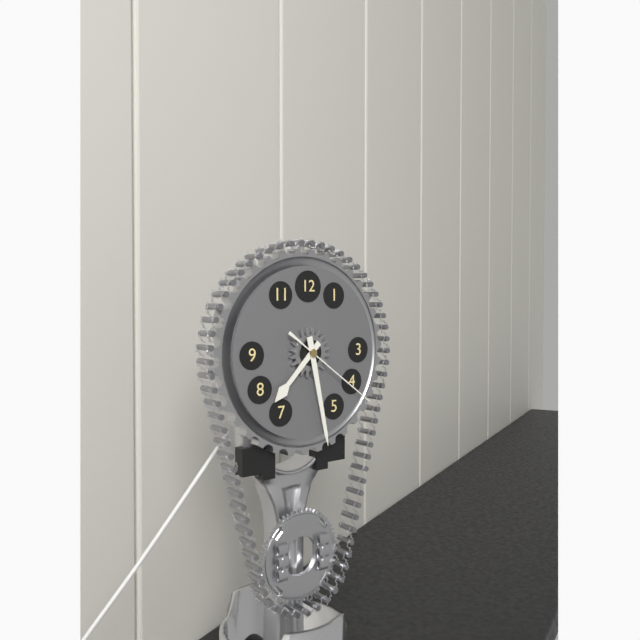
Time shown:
{"hour": 7, "minute": 28, "second": 21}
